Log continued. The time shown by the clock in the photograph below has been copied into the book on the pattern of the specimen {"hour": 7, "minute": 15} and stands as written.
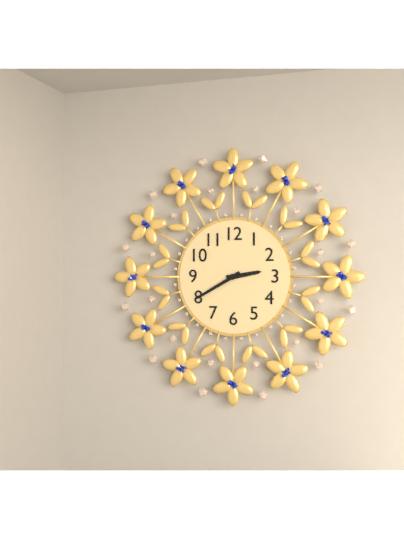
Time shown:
{"hour": 2, "minute": 40}
